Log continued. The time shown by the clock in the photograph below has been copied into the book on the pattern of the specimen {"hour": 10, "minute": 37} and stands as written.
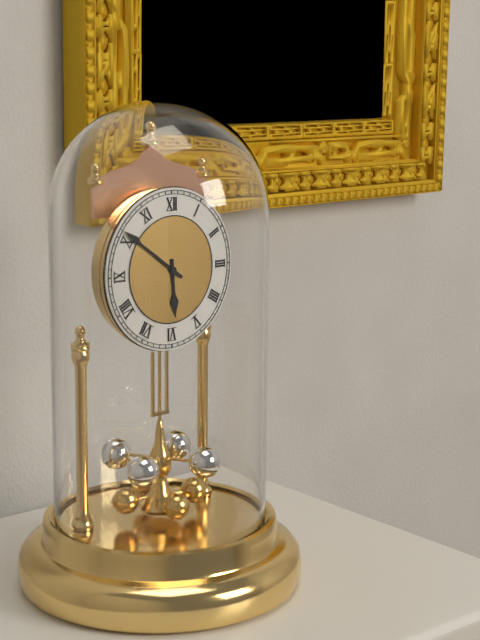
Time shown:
{"hour": 5, "minute": 51}
